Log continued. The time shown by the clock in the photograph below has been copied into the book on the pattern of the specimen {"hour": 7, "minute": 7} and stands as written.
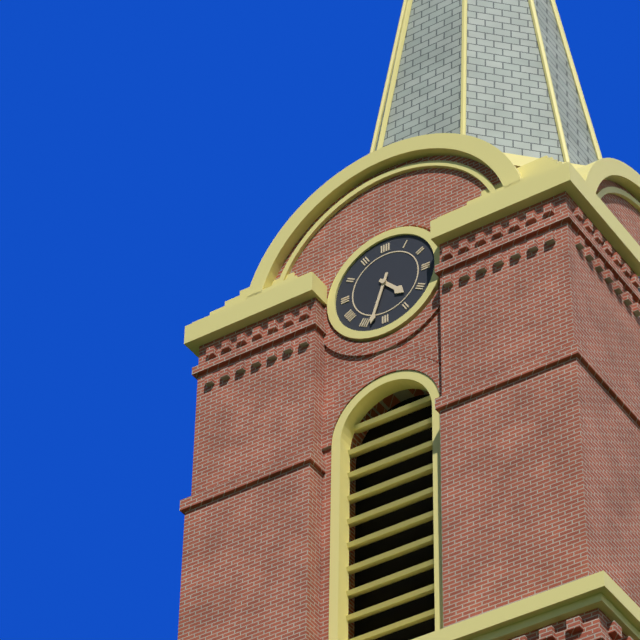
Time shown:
{"hour": 4, "minute": 33}
